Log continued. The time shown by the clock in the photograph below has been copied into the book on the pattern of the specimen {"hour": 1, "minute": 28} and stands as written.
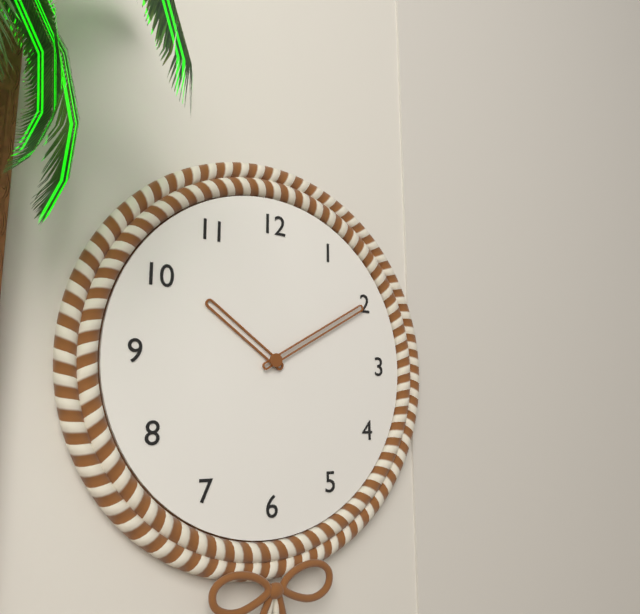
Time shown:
{"hour": 10, "minute": 10}
